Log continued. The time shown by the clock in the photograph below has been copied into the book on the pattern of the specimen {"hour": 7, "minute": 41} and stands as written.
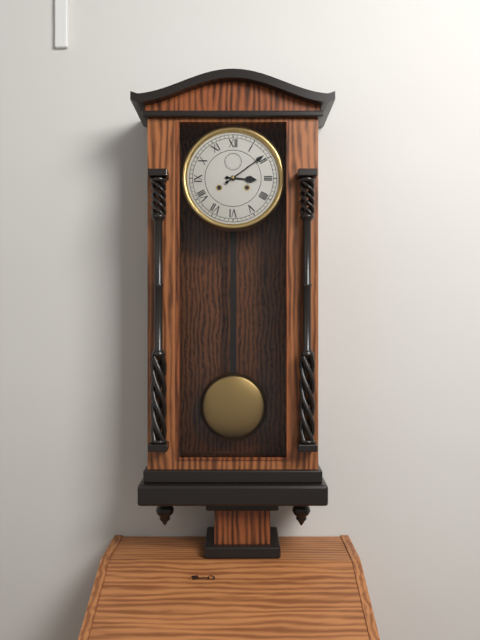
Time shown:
{"hour": 3, "minute": 9}
